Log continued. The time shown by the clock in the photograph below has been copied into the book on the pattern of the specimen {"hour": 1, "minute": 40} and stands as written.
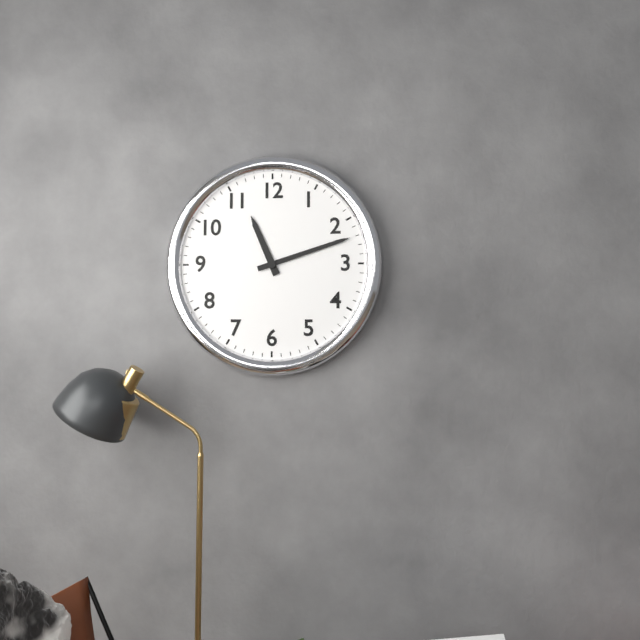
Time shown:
{"hour": 11, "minute": 12}
